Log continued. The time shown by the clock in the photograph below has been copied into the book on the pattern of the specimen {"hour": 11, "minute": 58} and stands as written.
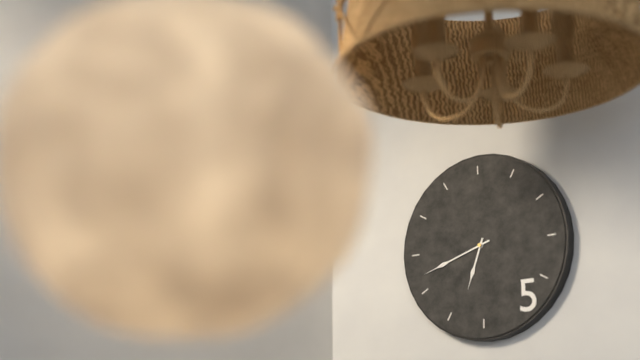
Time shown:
{"hour": 6, "minute": 42}
